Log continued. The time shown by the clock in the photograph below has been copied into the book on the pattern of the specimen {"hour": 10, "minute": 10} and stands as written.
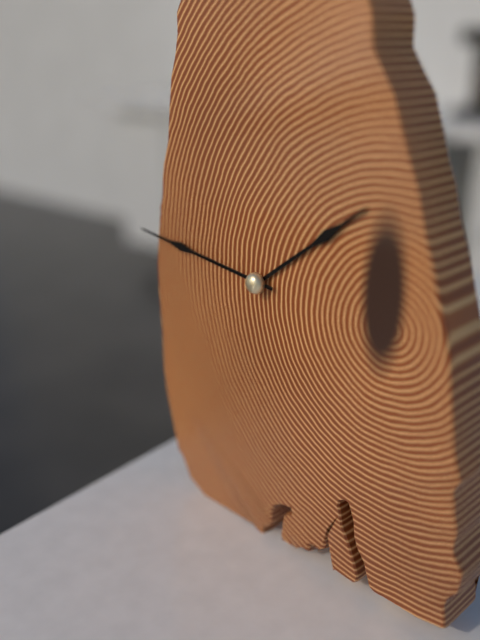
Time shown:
{"hour": 1, "minute": 46}
